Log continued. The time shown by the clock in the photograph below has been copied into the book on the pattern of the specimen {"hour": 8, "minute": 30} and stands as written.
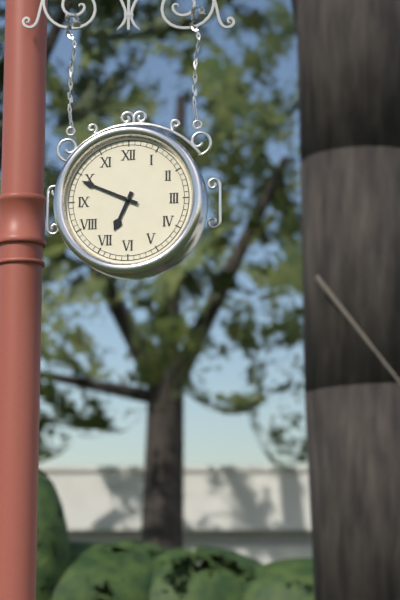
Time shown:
{"hour": 6, "minute": 49}
